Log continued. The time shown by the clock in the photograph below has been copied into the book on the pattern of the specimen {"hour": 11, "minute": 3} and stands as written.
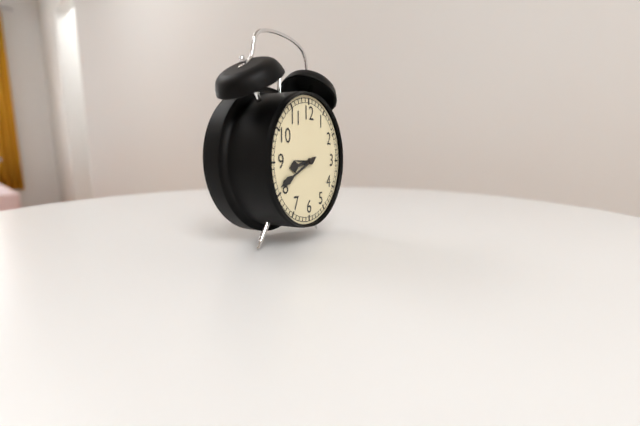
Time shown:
{"hour": 8, "minute": 41}
